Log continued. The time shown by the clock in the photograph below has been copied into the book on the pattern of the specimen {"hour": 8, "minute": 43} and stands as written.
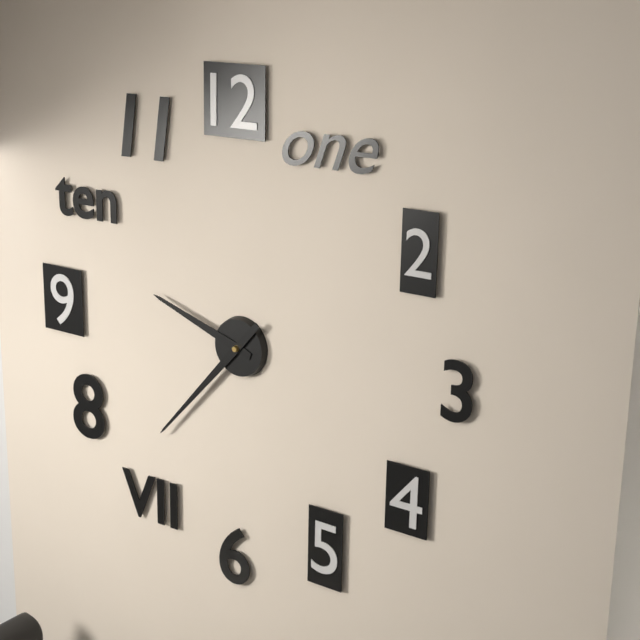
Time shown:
{"hour": 9, "minute": 37}
